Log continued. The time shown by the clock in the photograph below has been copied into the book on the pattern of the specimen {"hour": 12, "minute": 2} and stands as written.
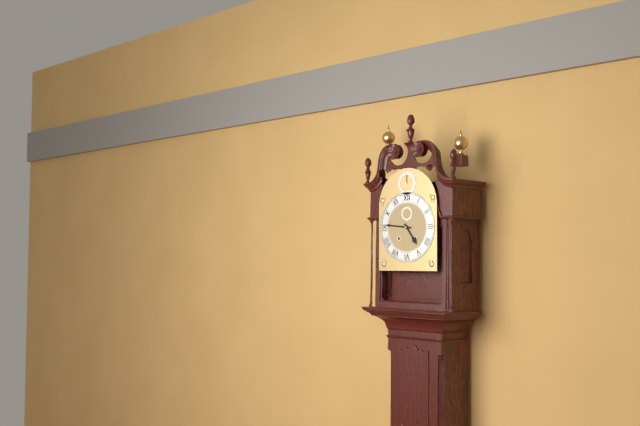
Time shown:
{"hour": 4, "minute": 46}
